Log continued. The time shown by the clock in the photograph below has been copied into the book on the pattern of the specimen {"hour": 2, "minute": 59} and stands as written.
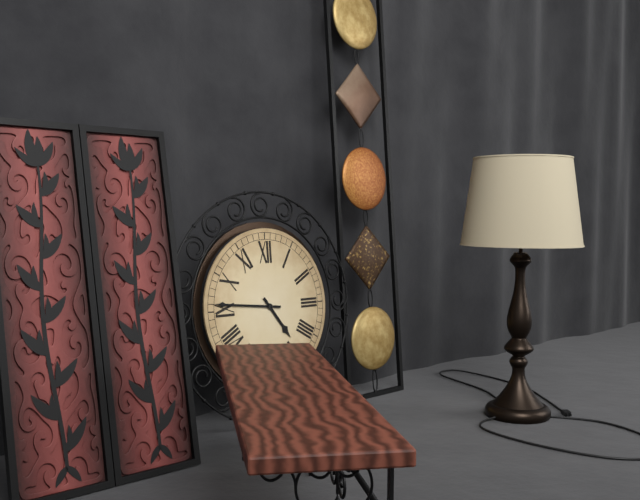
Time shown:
{"hour": 4, "minute": 46}
